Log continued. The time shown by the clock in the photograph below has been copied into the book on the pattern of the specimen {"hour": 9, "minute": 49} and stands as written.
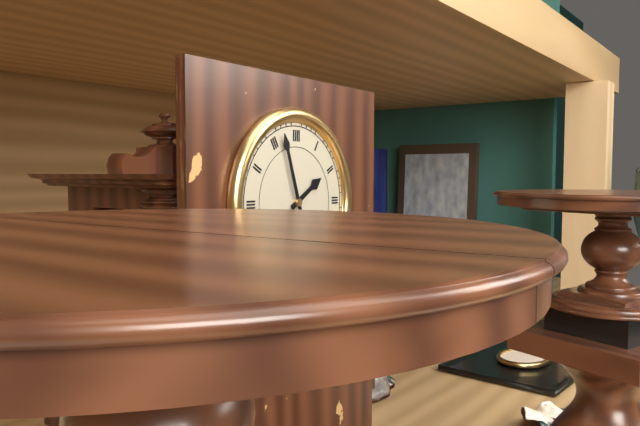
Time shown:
{"hour": 1, "minute": 57}
